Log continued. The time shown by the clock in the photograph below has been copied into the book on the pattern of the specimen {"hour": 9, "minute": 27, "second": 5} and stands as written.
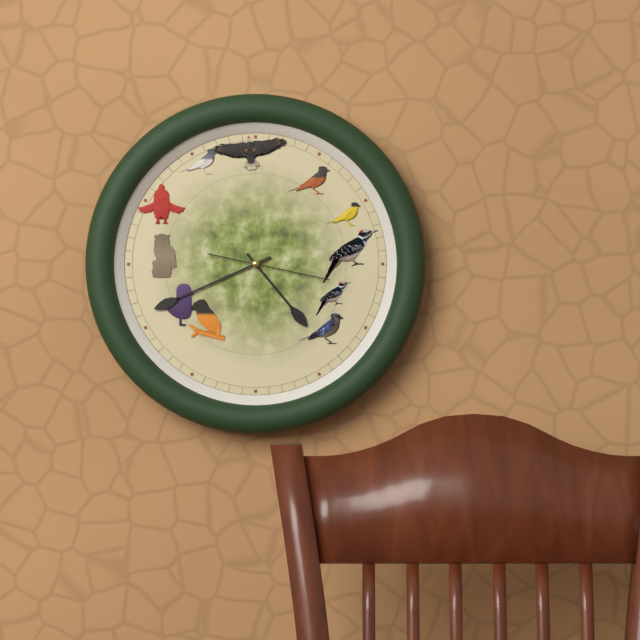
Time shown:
{"hour": 4, "minute": 41, "second": 17}
